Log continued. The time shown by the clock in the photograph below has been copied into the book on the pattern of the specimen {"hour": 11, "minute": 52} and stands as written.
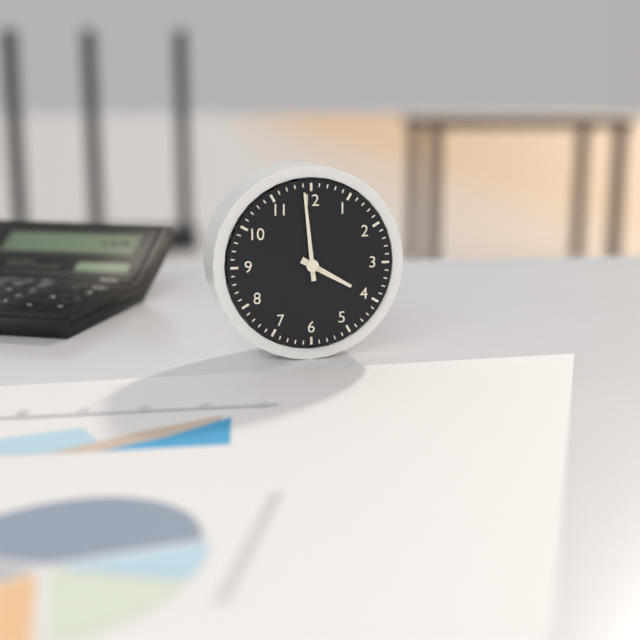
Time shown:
{"hour": 3, "minute": 59}
